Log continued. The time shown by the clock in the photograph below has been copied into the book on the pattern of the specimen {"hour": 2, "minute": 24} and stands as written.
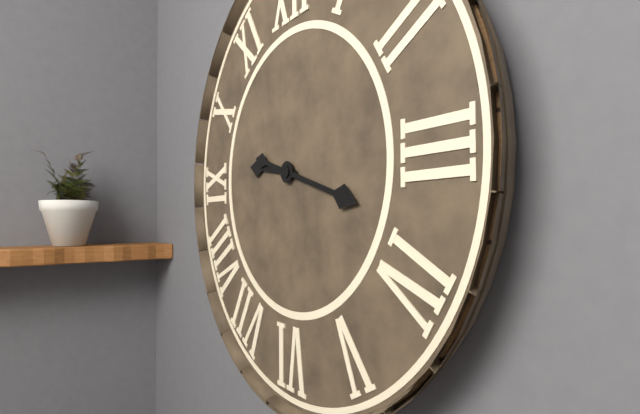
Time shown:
{"hour": 9, "minute": 18}
